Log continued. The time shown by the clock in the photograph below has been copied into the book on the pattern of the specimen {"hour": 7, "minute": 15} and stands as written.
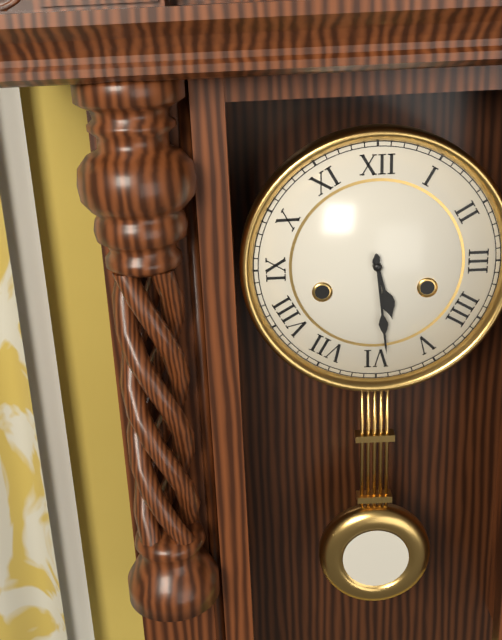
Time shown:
{"hour": 5, "minute": 29}
